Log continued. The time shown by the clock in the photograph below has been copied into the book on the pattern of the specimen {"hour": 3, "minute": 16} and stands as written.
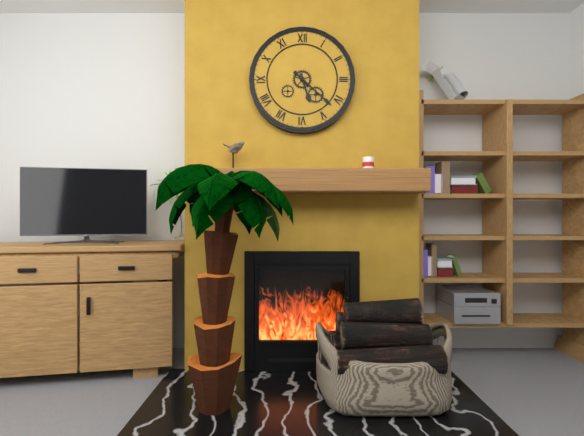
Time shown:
{"hour": 5, "minute": 22}
